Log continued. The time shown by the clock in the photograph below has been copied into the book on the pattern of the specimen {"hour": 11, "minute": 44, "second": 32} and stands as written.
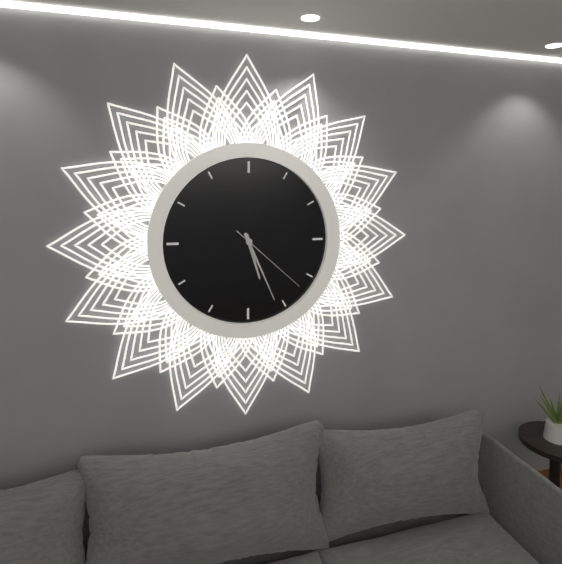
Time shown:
{"hour": 5, "minute": 26, "second": 22}
